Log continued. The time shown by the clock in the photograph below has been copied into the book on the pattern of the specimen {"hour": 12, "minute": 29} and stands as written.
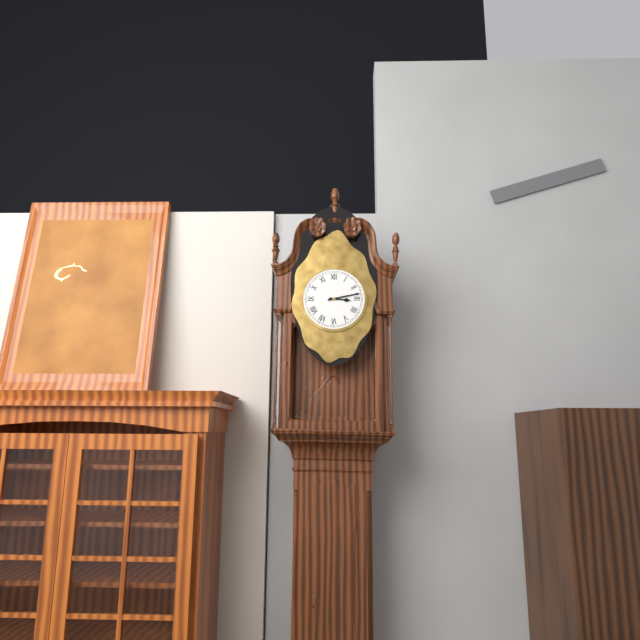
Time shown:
{"hour": 3, "minute": 13}
